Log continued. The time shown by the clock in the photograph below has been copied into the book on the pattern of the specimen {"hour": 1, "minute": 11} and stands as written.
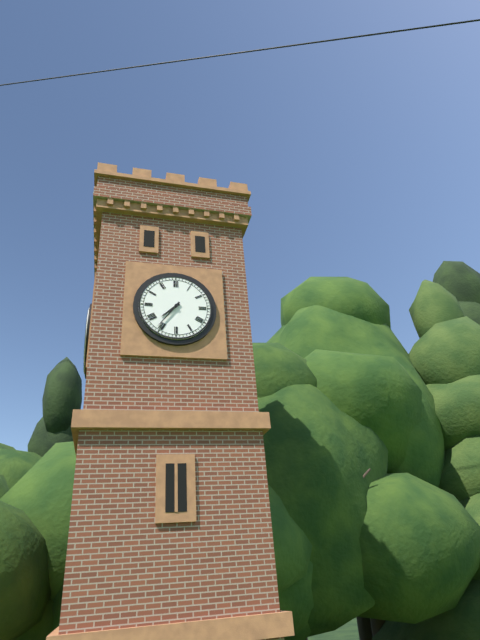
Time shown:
{"hour": 7, "minute": 36}
